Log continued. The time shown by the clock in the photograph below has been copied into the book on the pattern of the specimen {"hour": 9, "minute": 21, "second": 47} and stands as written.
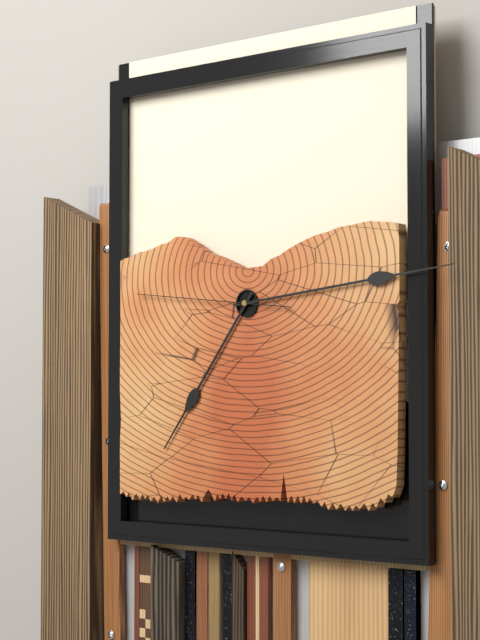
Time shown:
{"hour": 7, "minute": 14, "second": 46}
